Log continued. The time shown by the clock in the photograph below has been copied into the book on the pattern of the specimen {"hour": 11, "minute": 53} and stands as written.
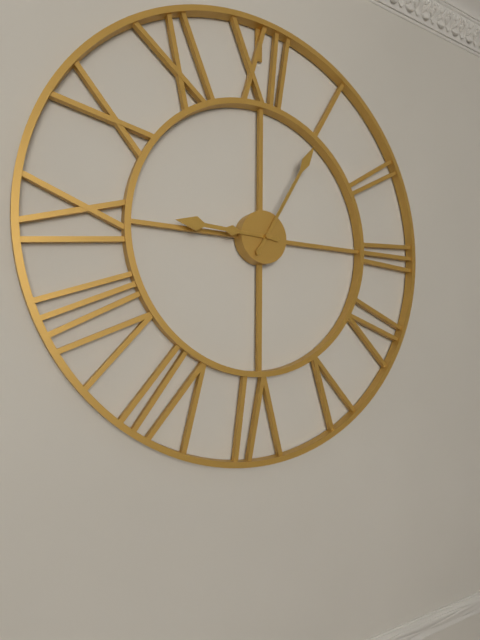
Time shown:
{"hour": 9, "minute": 5}
